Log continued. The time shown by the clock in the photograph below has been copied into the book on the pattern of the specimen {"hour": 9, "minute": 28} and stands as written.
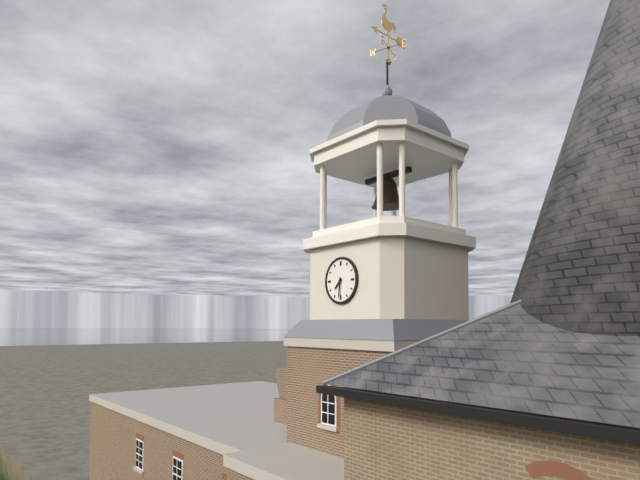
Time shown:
{"hour": 7, "minute": 31}
